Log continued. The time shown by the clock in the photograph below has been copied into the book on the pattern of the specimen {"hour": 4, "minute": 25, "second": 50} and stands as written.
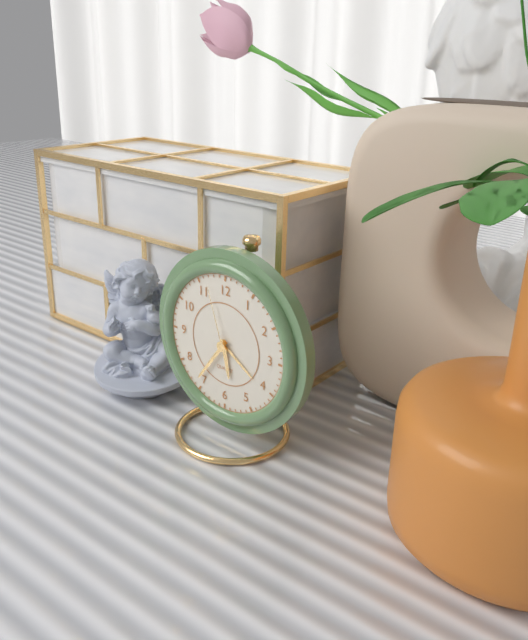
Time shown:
{"hour": 5, "minute": 36, "second": 57}
